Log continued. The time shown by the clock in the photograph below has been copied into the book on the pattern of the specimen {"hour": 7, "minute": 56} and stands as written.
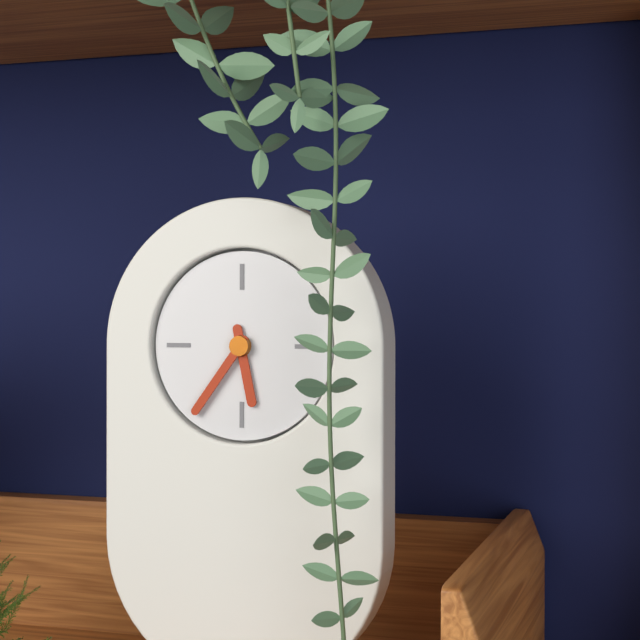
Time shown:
{"hour": 5, "minute": 36}
